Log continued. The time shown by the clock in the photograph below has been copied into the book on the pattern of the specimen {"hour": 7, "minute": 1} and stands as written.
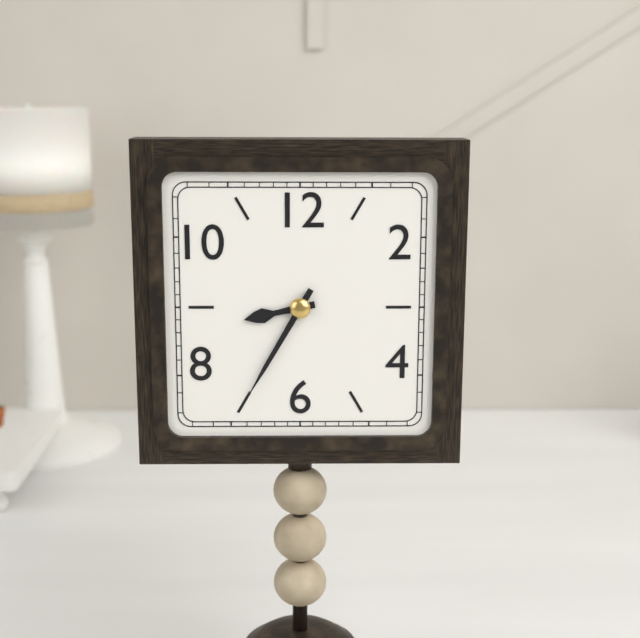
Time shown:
{"hour": 8, "minute": 35}
